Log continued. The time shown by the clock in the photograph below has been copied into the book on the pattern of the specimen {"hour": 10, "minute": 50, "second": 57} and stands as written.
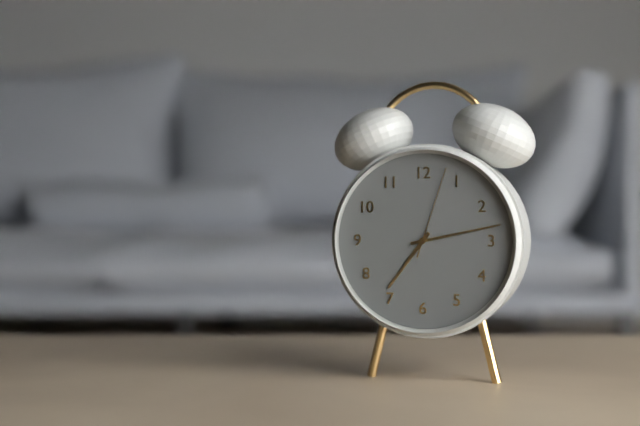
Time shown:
{"hour": 7, "minute": 13, "second": 3}
